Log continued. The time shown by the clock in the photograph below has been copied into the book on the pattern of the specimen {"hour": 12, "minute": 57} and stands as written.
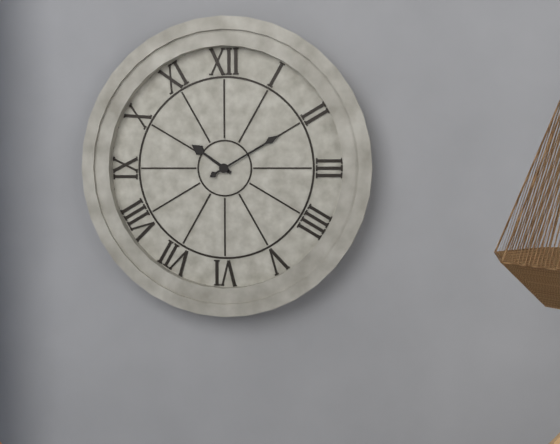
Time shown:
{"hour": 10, "minute": 10}
